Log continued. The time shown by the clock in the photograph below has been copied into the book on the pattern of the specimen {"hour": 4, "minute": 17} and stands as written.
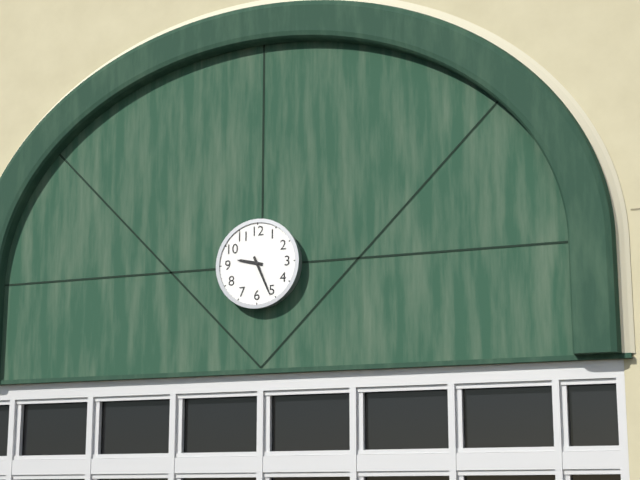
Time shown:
{"hour": 9, "minute": 26}
